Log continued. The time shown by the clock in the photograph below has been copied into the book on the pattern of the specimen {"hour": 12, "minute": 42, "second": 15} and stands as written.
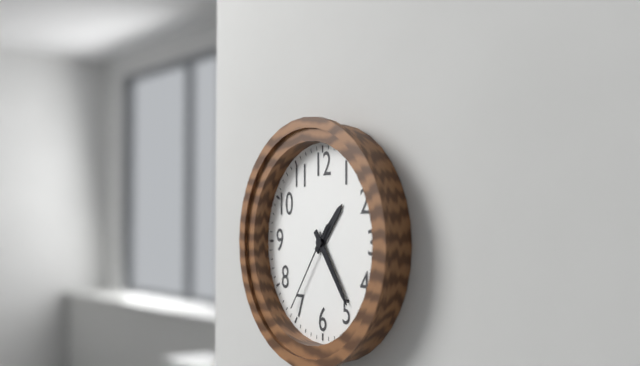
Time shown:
{"hour": 1, "minute": 24, "second": 36}
